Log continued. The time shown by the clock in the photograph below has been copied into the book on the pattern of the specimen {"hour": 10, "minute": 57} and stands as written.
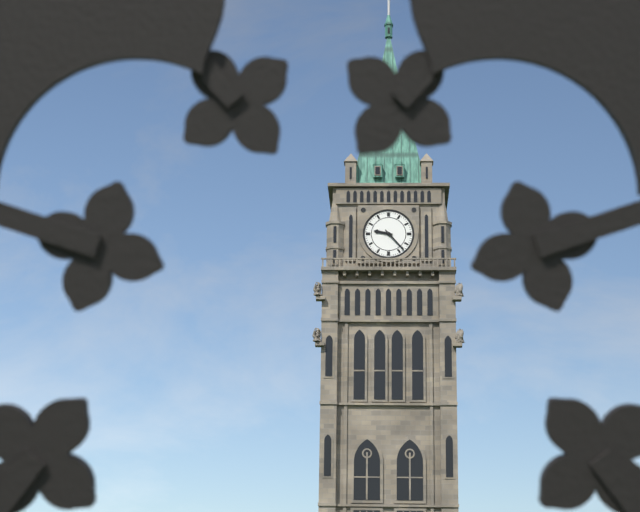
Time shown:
{"hour": 9, "minute": 23}
